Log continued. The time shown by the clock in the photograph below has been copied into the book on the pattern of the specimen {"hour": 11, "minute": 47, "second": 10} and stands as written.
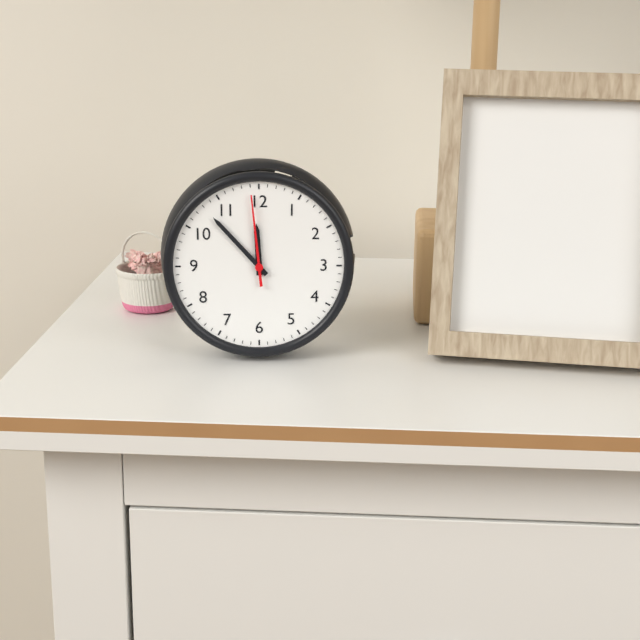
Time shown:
{"hour": 11, "minute": 53, "second": 59}
